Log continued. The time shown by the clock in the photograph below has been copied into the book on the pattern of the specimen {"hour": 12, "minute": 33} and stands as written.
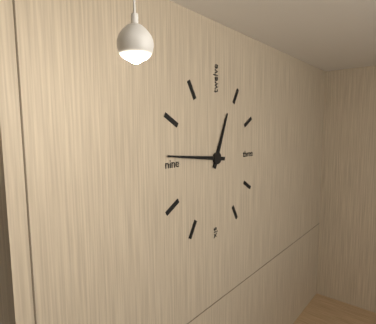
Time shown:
{"hour": 12, "minute": 46}
